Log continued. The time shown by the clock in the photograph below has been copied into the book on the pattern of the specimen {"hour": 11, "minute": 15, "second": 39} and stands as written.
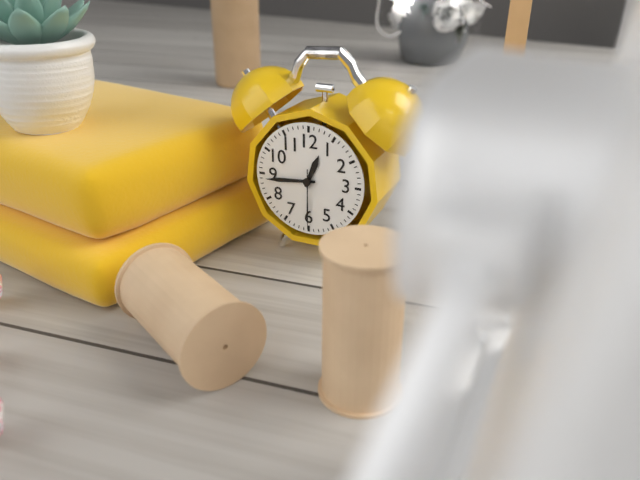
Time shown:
{"hour": 12, "minute": 44, "second": 30}
